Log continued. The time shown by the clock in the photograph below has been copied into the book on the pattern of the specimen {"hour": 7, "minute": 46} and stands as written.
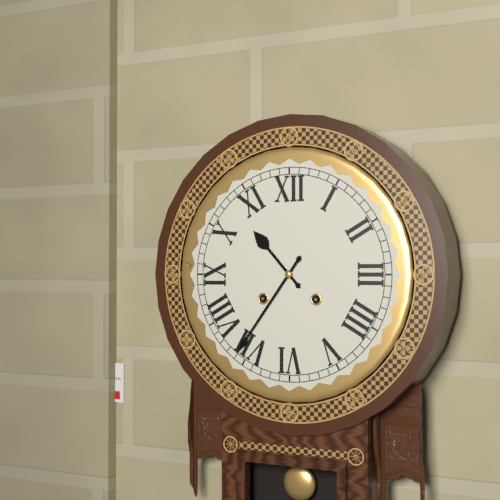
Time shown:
{"hour": 10, "minute": 36}
